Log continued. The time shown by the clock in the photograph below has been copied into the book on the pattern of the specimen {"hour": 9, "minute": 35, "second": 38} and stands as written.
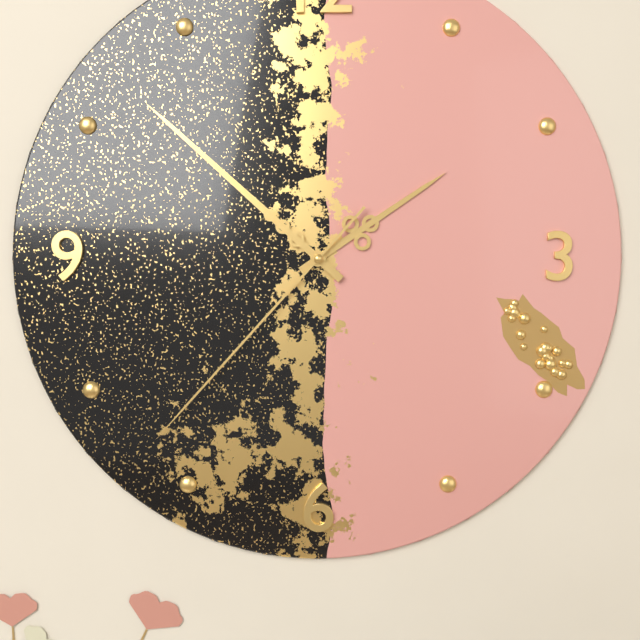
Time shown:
{"hour": 1, "minute": 52, "second": 37}
